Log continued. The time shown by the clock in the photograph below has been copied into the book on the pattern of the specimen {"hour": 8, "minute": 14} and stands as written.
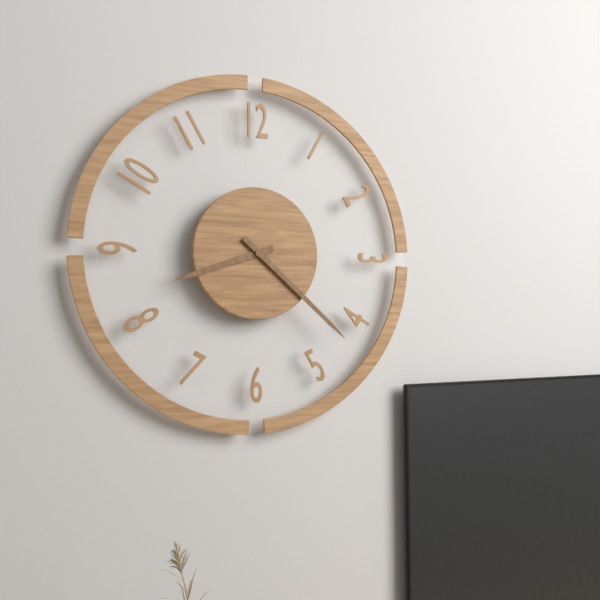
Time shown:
{"hour": 8, "minute": 22}
